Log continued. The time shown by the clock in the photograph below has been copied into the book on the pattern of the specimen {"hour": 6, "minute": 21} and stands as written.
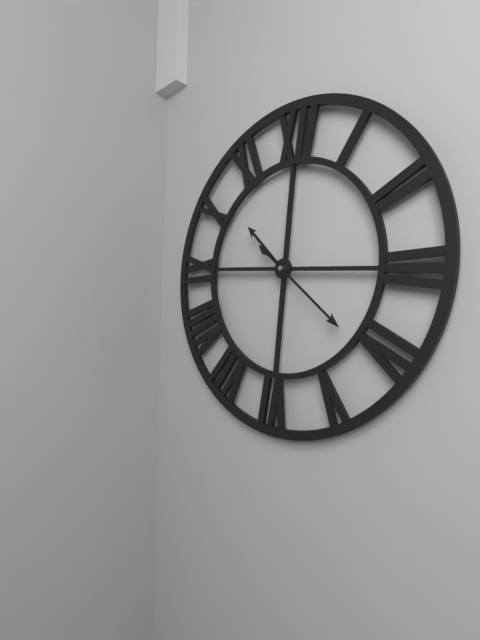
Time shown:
{"hour": 10, "minute": 21}
